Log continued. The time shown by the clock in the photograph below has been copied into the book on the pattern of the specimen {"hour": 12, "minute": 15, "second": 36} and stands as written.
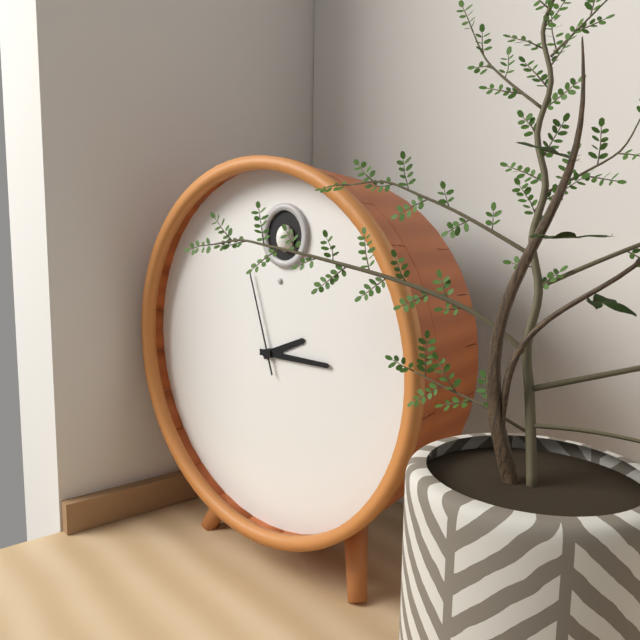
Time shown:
{"hour": 2, "minute": 15, "second": 57}
